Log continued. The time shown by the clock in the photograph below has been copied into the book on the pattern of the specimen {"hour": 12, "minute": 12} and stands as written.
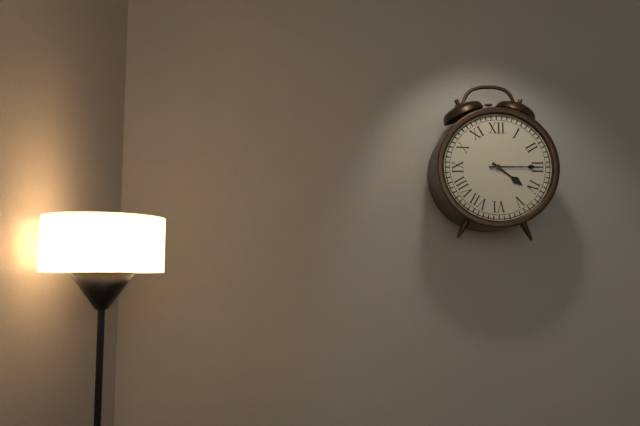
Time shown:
{"hour": 4, "minute": 15}
